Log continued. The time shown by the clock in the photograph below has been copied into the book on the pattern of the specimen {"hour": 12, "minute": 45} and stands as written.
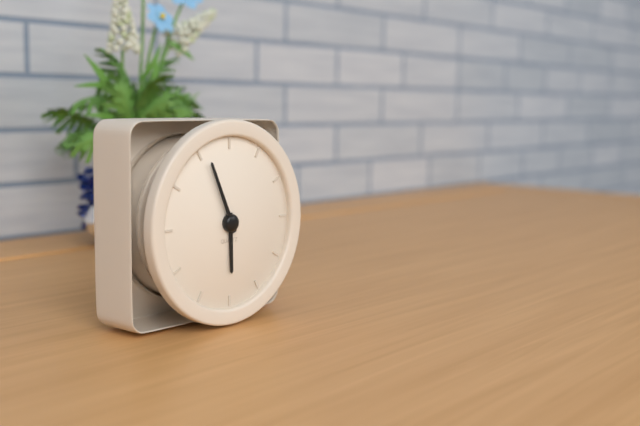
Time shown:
{"hour": 5, "minute": 56}
